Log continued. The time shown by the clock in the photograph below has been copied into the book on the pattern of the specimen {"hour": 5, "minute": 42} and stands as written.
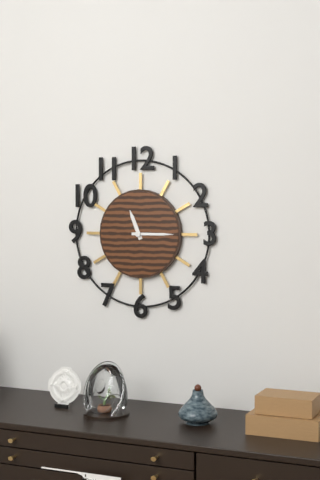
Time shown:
{"hour": 11, "minute": 15}
